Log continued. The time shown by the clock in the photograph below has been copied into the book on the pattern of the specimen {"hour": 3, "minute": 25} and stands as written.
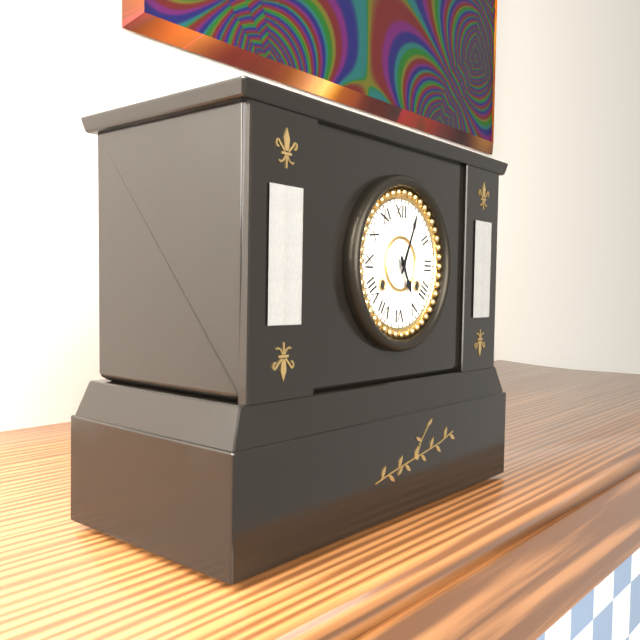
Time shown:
{"hour": 5, "minute": 4}
